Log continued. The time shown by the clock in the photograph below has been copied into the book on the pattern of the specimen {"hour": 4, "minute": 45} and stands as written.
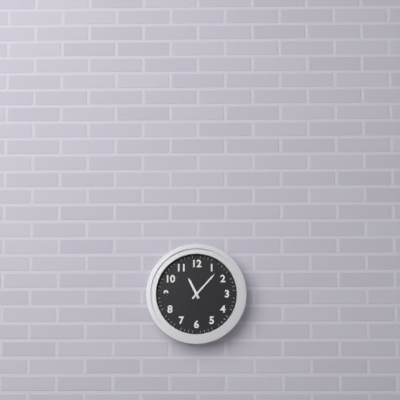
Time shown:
{"hour": 11, "minute": 7}
